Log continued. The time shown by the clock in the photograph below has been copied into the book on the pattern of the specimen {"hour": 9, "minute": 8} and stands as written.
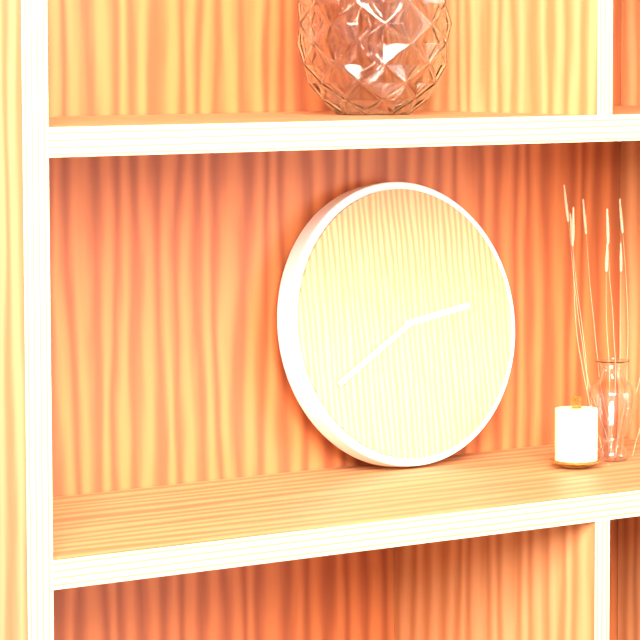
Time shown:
{"hour": 2, "minute": 40}
